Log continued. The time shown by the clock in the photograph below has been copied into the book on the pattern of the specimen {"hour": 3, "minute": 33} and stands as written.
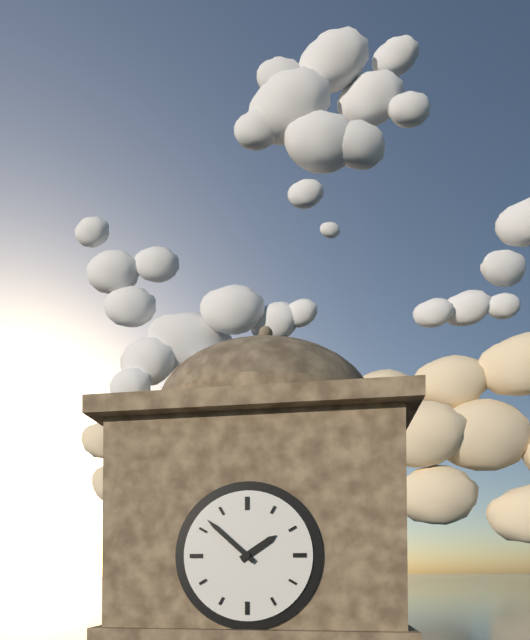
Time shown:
{"hour": 1, "minute": 52}
